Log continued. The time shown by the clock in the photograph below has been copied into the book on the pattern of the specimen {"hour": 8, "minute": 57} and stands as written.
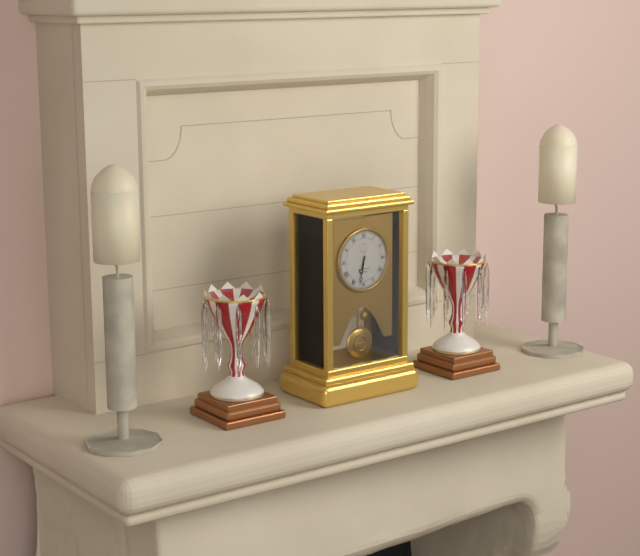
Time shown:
{"hour": 6, "minute": 32}
